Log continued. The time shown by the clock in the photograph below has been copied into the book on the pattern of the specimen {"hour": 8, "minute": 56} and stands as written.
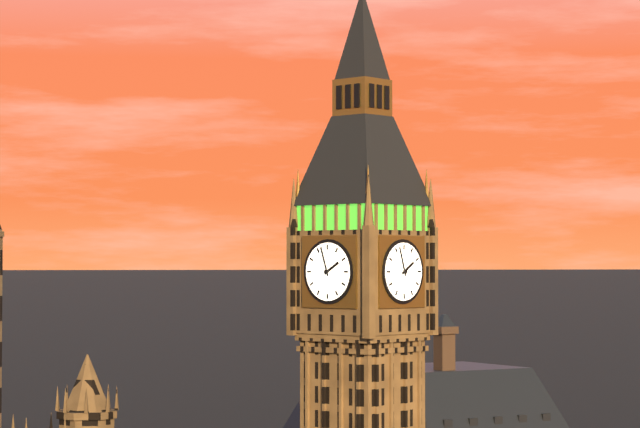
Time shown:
{"hour": 1, "minute": 57}
